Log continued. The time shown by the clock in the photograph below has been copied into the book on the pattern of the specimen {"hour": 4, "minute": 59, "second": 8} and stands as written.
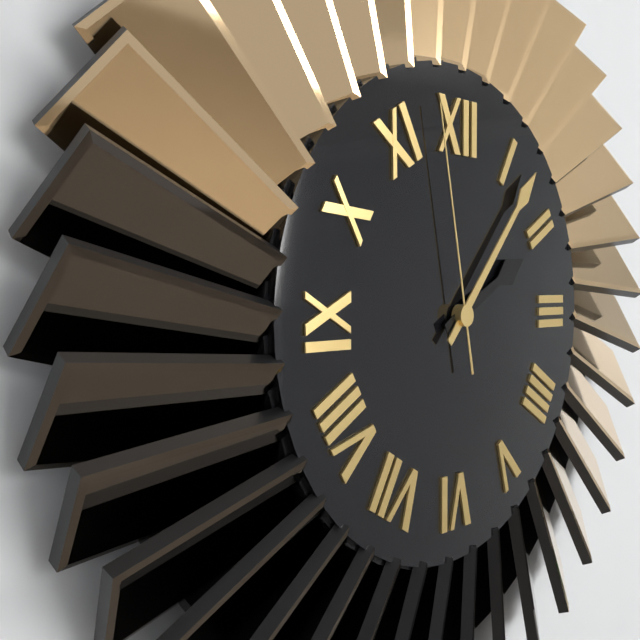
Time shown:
{"hour": 2, "minute": 7, "second": 58}
